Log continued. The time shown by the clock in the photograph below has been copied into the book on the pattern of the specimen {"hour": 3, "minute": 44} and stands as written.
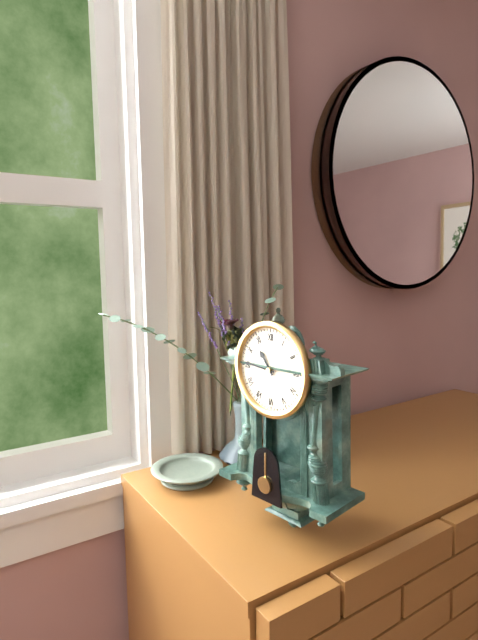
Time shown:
{"hour": 10, "minute": 46}
